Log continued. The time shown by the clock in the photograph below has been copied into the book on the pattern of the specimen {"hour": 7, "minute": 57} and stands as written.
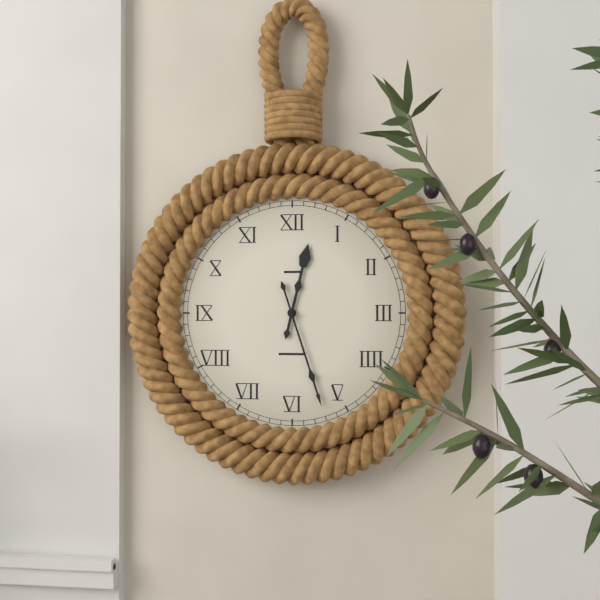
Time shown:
{"hour": 12, "minute": 27}
